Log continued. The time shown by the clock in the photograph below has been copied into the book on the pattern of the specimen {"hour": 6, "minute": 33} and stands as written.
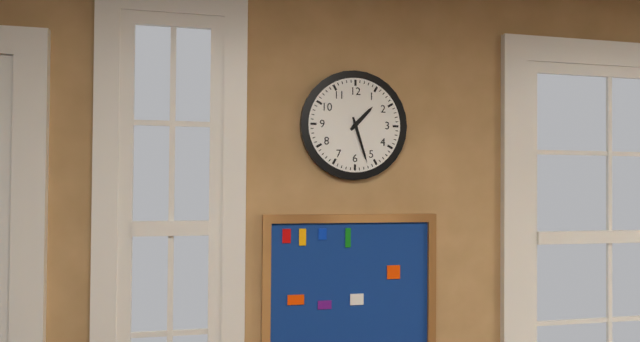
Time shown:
{"hour": 1, "minute": 27}
